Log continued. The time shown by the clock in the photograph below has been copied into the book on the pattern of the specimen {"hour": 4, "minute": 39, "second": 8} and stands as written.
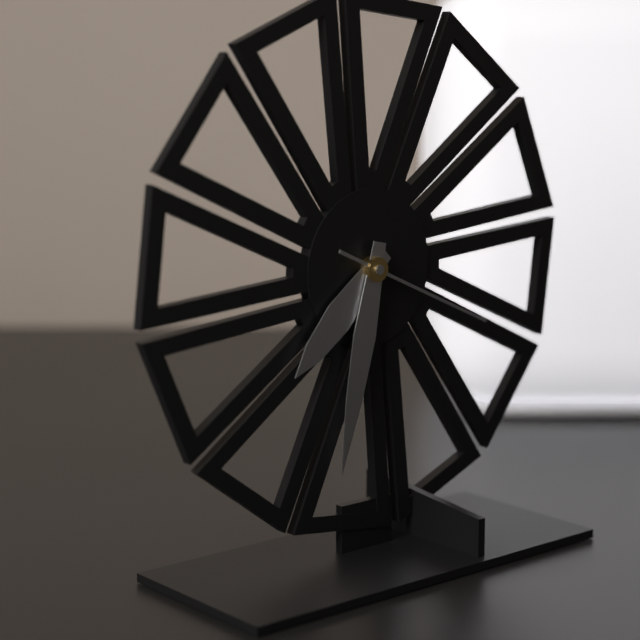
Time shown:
{"hour": 7, "minute": 32, "second": 19}
